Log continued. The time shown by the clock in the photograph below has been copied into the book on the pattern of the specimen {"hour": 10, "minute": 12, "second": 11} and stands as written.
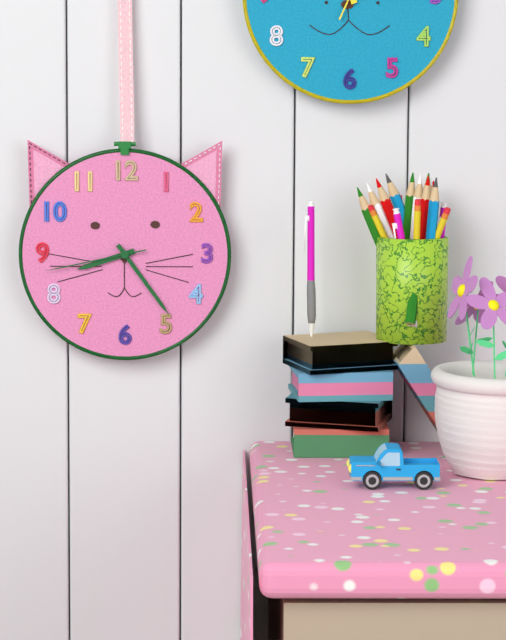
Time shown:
{"hour": 8, "minute": 24, "second": 43}
